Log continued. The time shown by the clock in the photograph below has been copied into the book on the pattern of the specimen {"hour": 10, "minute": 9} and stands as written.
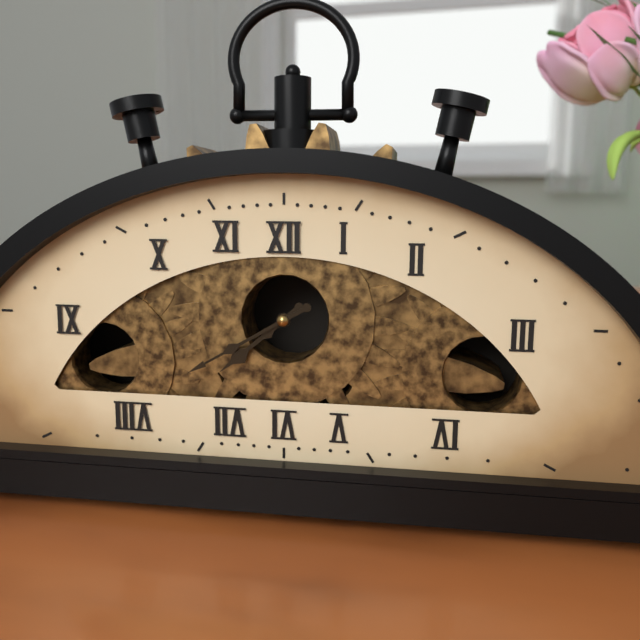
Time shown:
{"hour": 7, "minute": 40}
